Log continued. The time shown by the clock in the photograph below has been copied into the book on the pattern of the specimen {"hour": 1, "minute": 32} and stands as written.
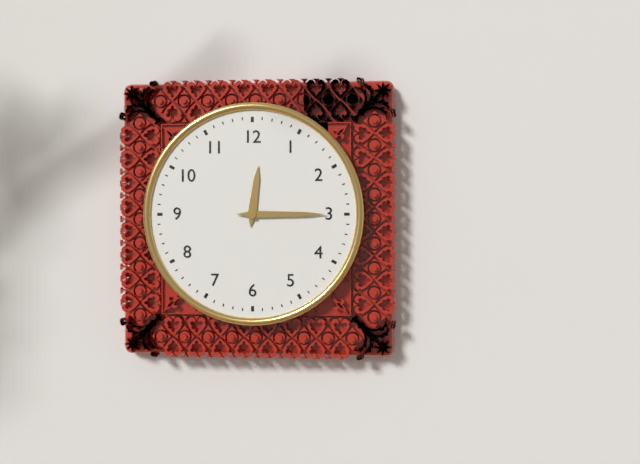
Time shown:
{"hour": 12, "minute": 15}
